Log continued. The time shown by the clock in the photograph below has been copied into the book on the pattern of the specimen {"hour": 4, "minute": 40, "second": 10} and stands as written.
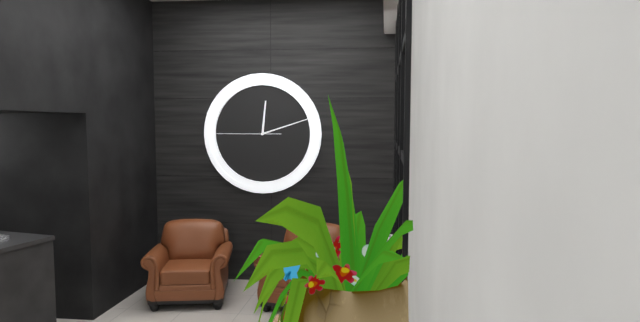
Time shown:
{"hour": 12, "minute": 12, "second": 45}
